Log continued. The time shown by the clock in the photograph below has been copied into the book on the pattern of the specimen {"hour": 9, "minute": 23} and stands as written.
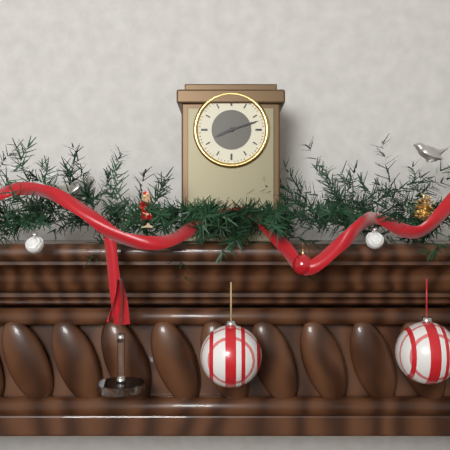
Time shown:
{"hour": 8, "minute": 12}
